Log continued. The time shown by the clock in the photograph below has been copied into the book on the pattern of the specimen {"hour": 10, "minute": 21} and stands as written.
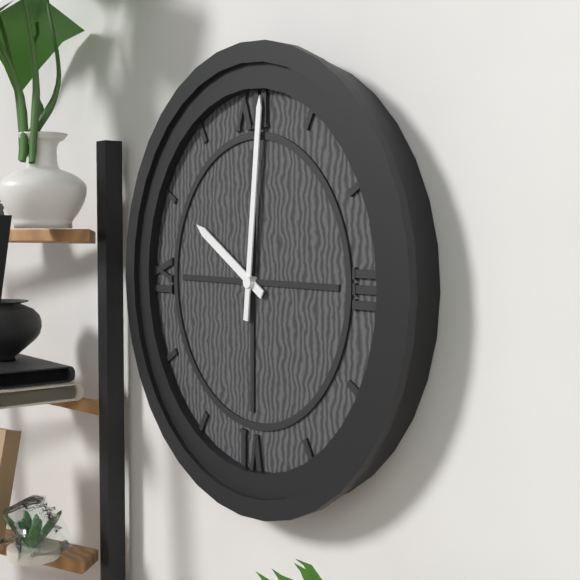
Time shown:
{"hour": 10, "minute": 1}
